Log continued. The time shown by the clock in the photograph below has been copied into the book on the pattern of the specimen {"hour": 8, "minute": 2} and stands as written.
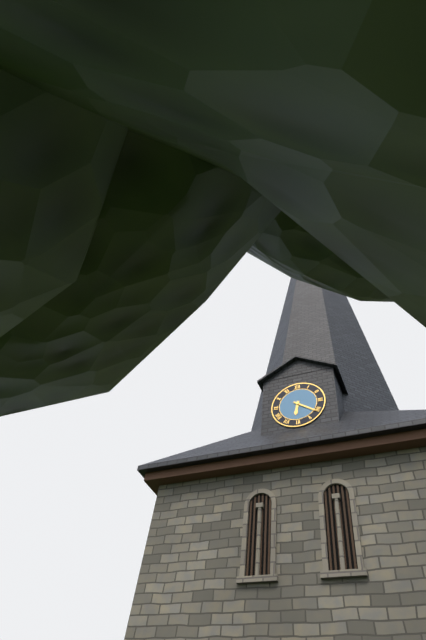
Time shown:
{"hour": 6, "minute": 21}
